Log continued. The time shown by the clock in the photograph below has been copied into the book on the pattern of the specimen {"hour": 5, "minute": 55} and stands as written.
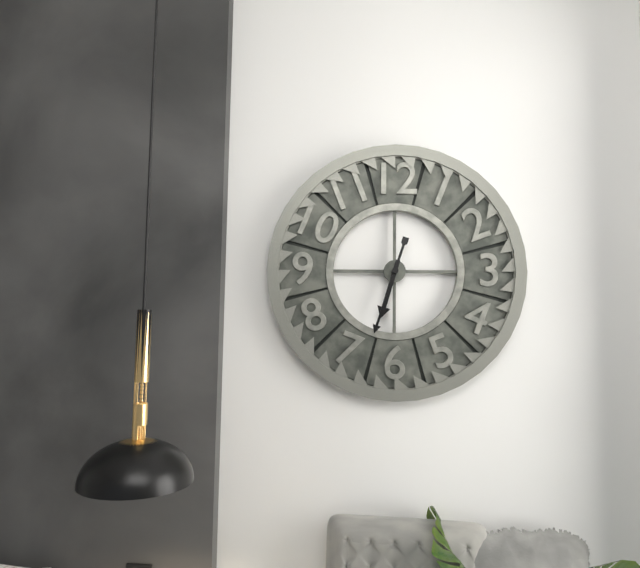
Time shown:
{"hour": 6, "minute": 33}
